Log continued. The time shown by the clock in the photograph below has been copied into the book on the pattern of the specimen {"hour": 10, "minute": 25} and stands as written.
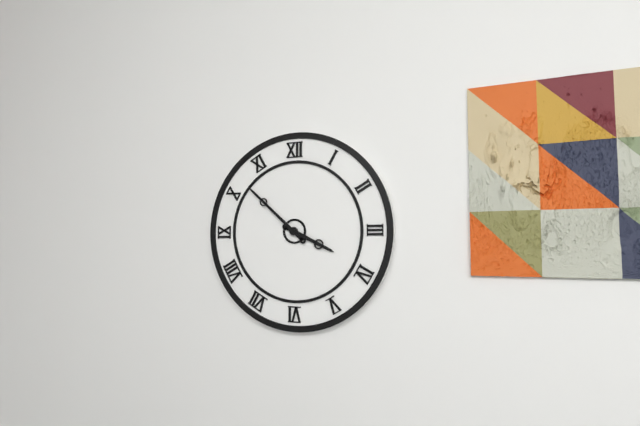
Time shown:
{"hour": 3, "minute": 52}
